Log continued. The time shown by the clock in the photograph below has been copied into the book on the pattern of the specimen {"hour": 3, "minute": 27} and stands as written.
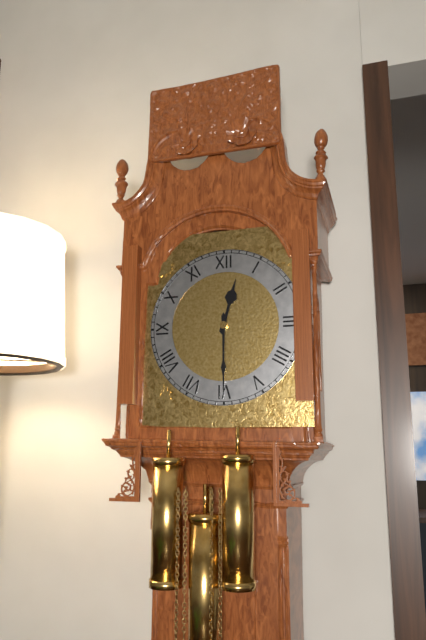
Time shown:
{"hour": 12, "minute": 30}
